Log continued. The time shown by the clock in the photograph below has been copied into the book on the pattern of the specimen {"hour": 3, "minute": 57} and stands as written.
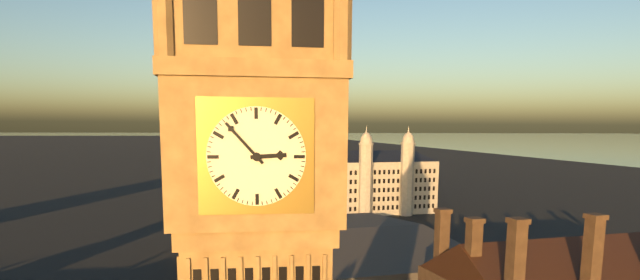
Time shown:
{"hour": 2, "minute": 53}
